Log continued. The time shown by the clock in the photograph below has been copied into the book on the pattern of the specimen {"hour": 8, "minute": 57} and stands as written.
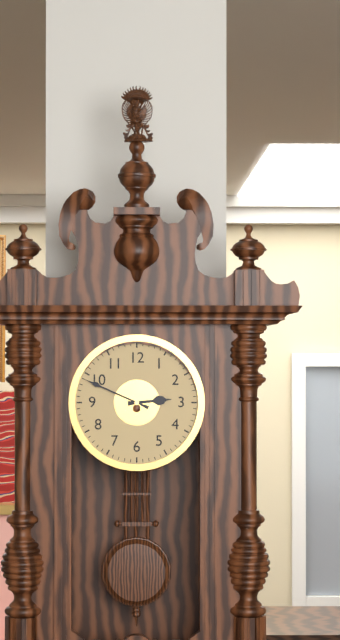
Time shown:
{"hour": 2, "minute": 49}
